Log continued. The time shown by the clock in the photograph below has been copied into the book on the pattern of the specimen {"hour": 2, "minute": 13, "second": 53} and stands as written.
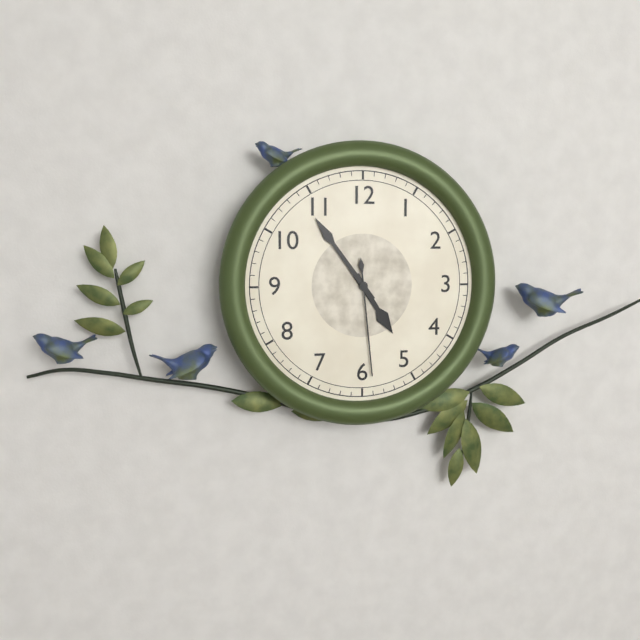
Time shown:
{"hour": 4, "minute": 54, "second": 29}
